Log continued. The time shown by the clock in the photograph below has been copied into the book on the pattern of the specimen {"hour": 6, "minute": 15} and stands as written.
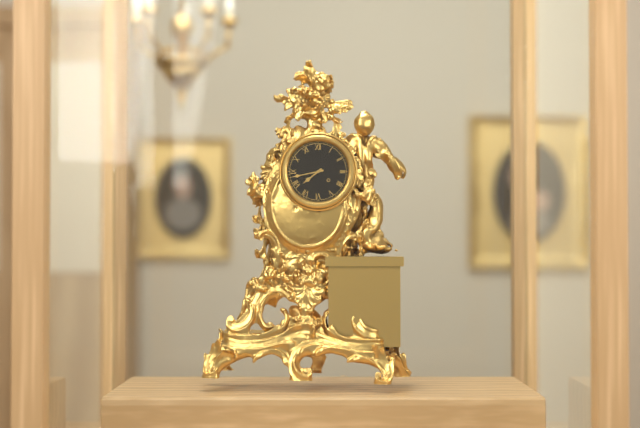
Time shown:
{"hour": 7, "minute": 43}
